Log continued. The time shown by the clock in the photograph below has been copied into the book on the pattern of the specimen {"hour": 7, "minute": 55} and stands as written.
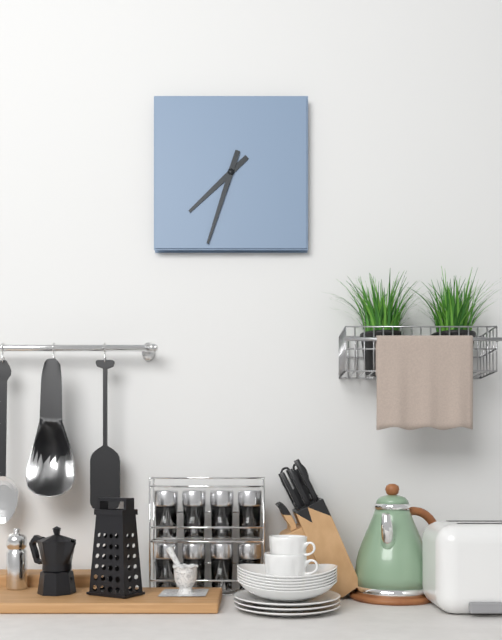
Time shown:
{"hour": 7, "minute": 33}
